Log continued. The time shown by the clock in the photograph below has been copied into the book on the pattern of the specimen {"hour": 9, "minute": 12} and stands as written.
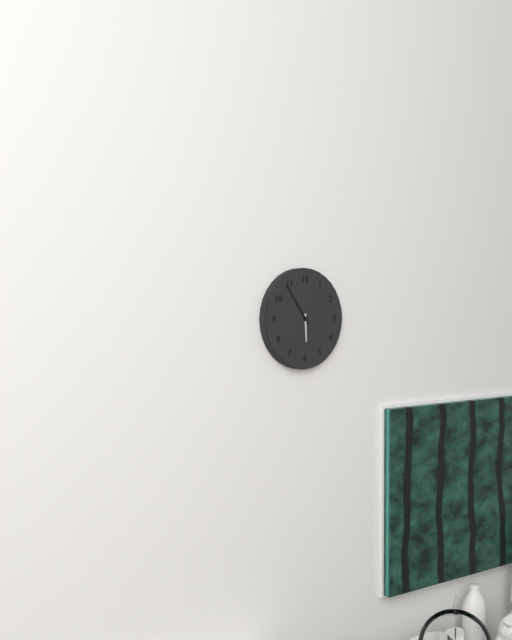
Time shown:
{"hour": 5, "minute": 54}
